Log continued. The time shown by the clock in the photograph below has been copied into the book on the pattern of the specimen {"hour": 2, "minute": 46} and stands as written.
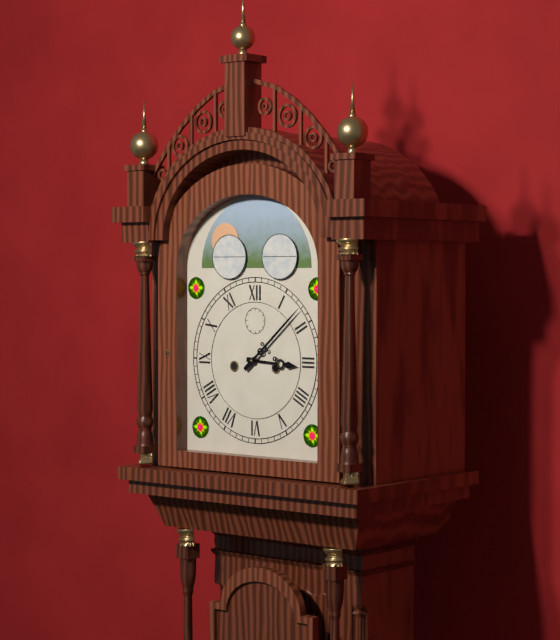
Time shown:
{"hour": 3, "minute": 8}
